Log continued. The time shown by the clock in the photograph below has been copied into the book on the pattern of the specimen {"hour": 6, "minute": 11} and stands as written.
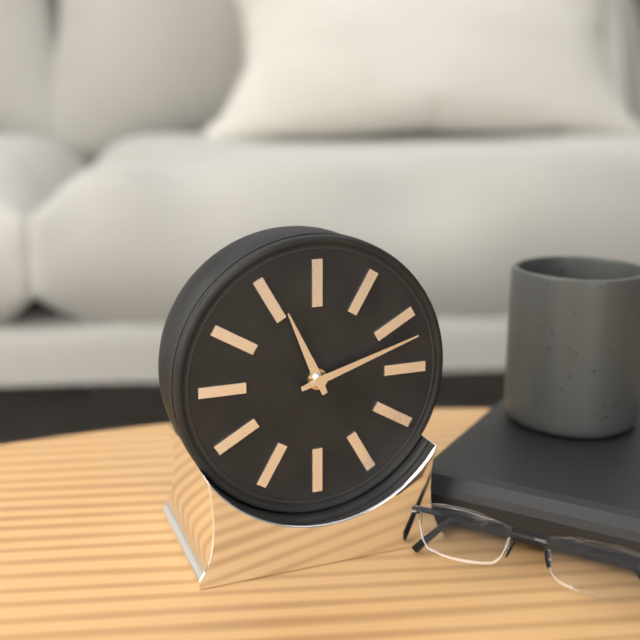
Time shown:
{"hour": 11, "minute": 12}
